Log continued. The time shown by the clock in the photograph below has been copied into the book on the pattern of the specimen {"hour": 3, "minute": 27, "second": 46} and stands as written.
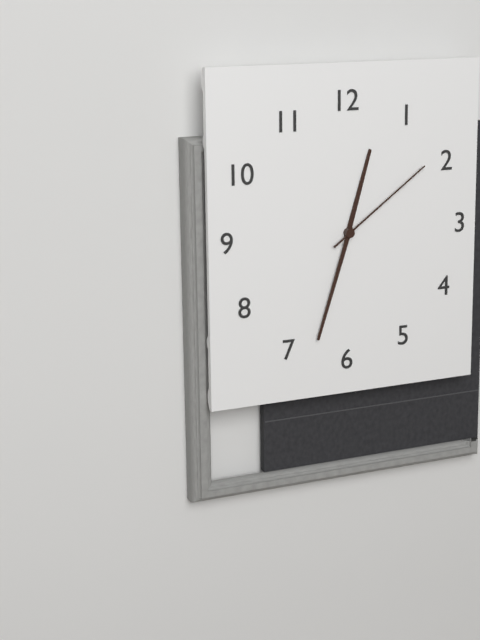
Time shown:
{"hour": 12, "minute": 33, "second": 9}
